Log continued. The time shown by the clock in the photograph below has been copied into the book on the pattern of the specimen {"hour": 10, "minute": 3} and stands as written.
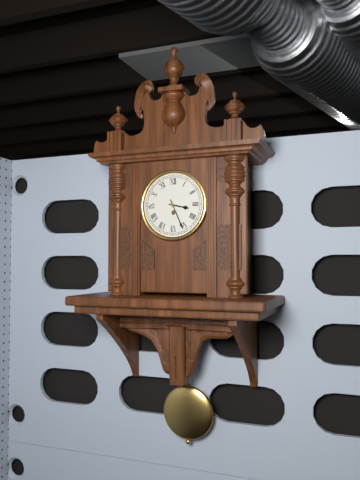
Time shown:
{"hour": 3, "minute": 26}
